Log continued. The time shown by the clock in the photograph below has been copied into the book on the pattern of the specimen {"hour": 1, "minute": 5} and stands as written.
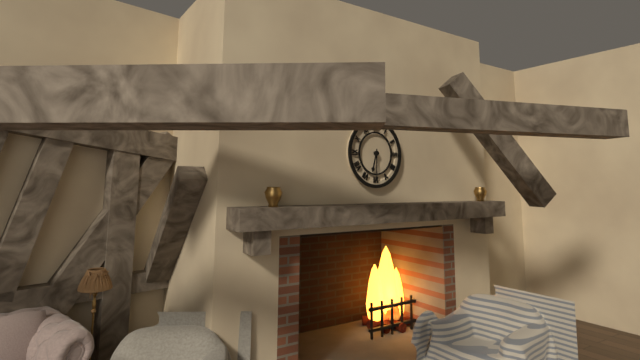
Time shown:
{"hour": 6, "minute": 30}
